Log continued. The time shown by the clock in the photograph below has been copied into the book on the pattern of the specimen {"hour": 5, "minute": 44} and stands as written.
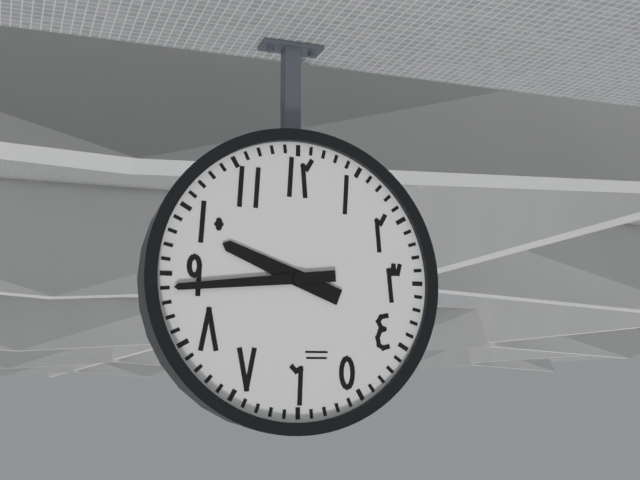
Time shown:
{"hour": 9, "minute": 44}
